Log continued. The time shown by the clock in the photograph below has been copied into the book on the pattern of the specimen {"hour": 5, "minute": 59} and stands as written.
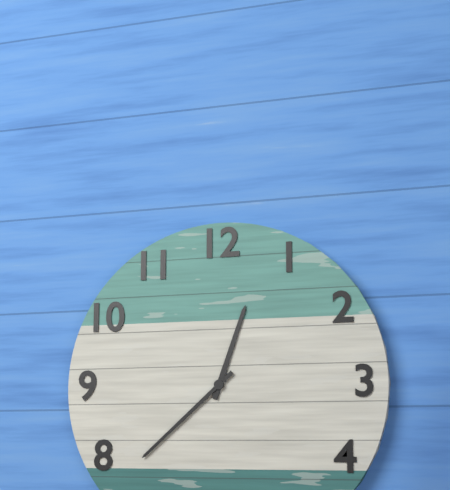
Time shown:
{"hour": 12, "minute": 38}
